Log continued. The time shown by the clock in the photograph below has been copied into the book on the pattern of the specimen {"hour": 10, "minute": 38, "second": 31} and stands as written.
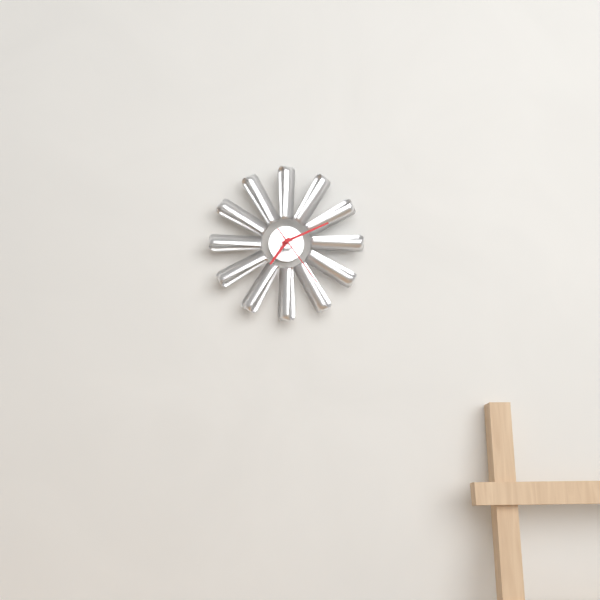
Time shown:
{"hour": 7, "minute": 11, "second": 24}
